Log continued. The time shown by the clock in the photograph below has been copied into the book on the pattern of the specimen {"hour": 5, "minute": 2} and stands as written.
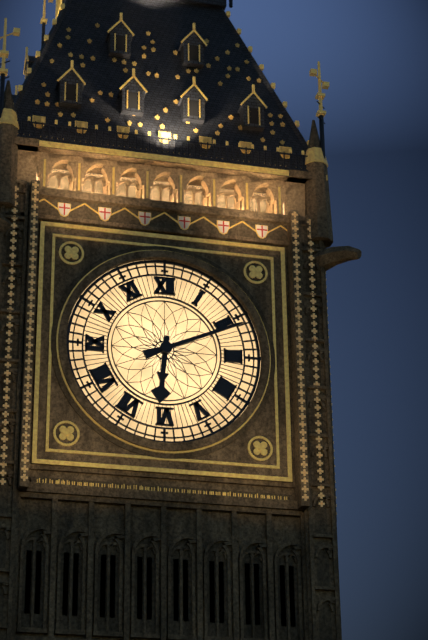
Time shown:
{"hour": 6, "minute": 11}
